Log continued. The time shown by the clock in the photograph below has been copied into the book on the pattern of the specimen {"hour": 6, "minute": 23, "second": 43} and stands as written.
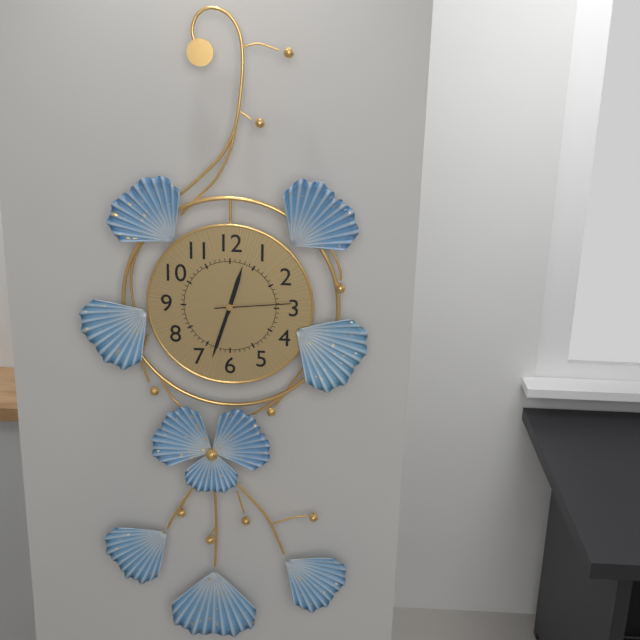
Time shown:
{"hour": 12, "minute": 33, "second": 14}
